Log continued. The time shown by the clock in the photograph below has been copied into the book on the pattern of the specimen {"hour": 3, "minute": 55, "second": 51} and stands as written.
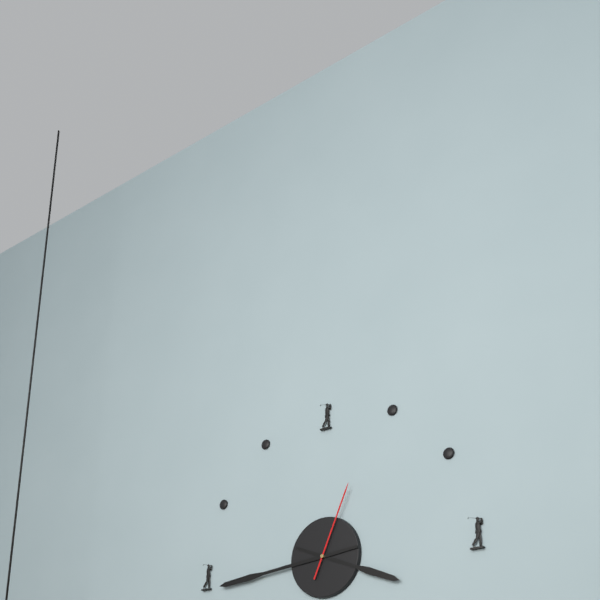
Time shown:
{"hour": 3, "minute": 44, "second": 4}
